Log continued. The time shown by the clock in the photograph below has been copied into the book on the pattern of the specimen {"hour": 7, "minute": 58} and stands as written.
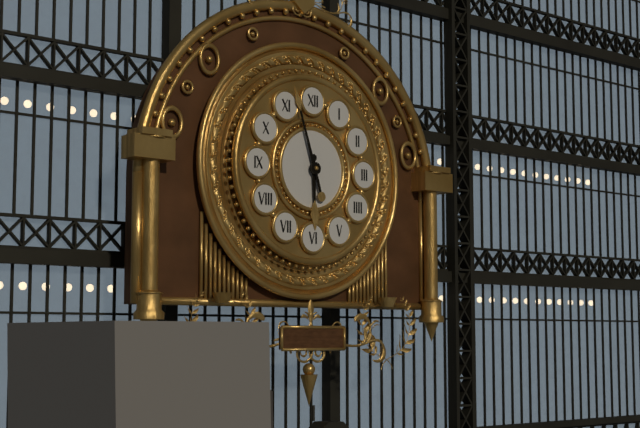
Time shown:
{"hour": 5, "minute": 57}
